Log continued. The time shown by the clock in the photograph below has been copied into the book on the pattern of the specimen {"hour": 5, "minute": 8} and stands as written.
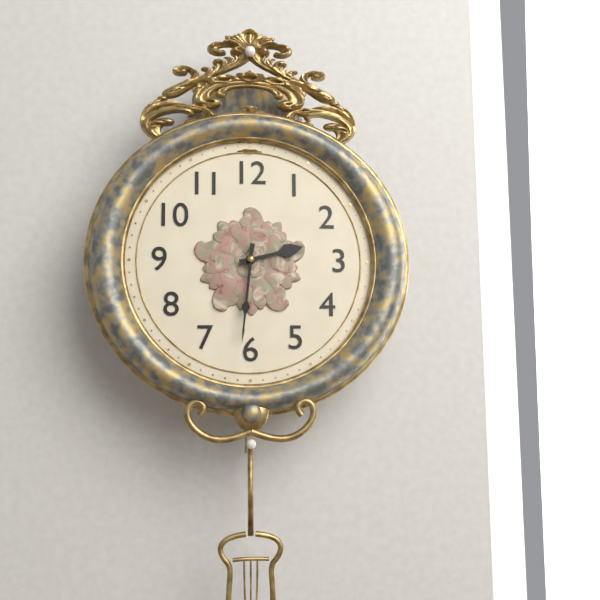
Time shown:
{"hour": 2, "minute": 31}
